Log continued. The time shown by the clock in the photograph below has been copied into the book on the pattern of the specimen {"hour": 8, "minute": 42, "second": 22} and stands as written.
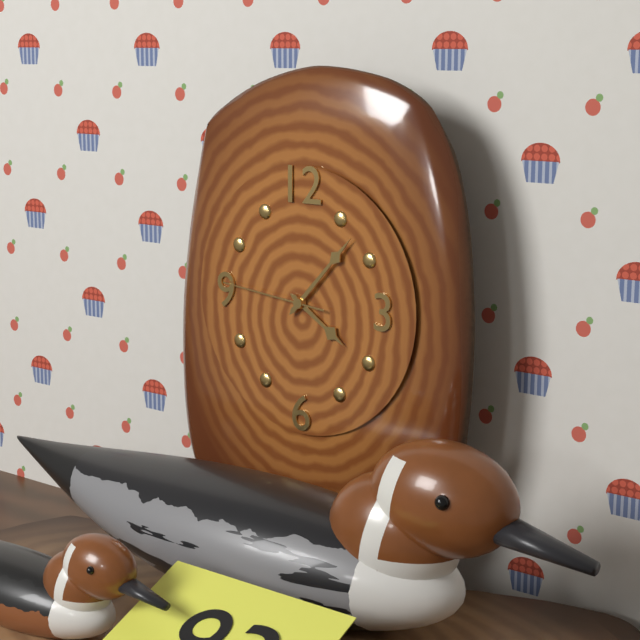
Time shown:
{"hour": 4, "minute": 7, "second": 46}
